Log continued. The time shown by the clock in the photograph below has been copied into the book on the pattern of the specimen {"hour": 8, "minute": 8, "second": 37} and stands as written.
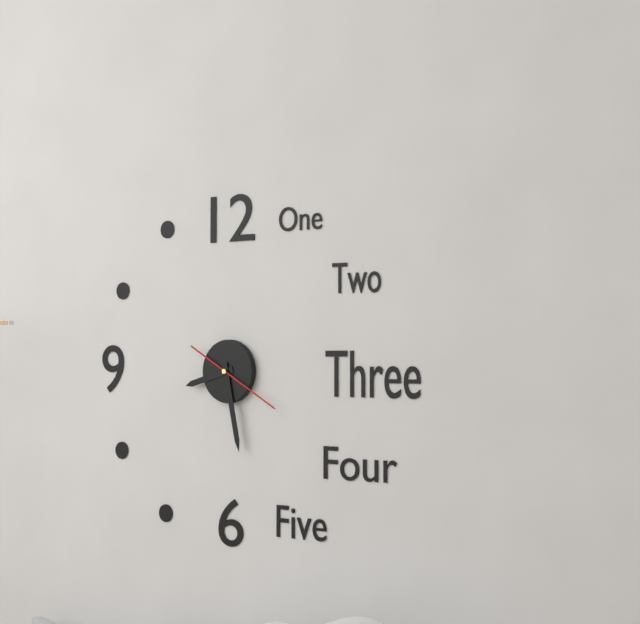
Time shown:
{"hour": 8, "minute": 28, "second": 20}
